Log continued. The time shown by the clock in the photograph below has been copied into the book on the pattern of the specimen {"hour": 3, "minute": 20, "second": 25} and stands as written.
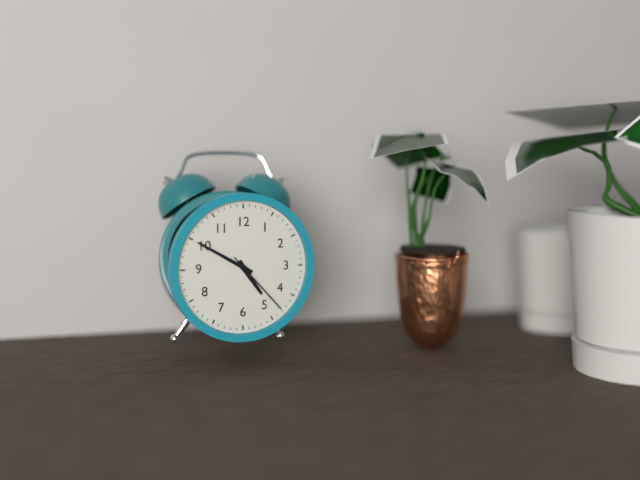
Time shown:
{"hour": 4, "minute": 50, "second": 23}
